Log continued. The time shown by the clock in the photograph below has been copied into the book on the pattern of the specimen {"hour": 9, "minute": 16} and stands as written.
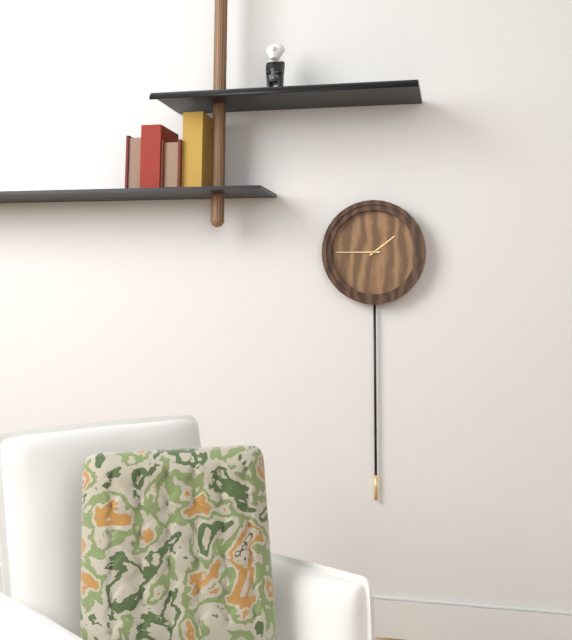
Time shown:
{"hour": 1, "minute": 45}
